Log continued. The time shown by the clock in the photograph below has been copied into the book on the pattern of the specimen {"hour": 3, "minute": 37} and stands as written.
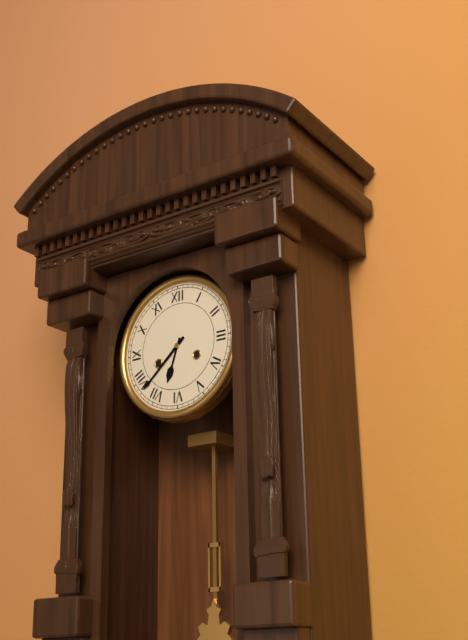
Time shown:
{"hour": 6, "minute": 38}
